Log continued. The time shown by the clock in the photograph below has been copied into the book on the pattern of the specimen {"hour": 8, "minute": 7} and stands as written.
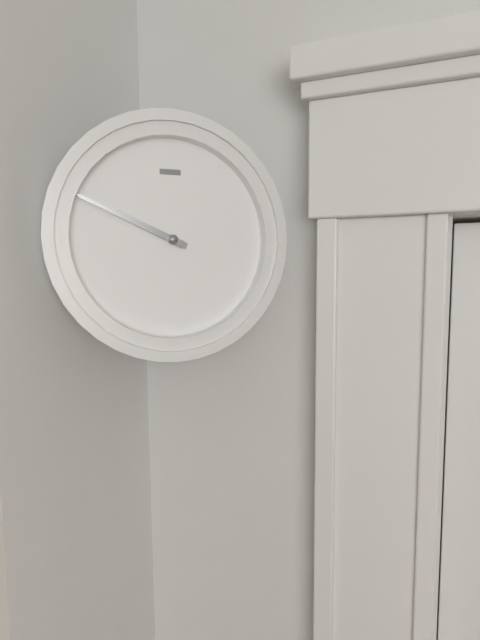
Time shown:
{"hour": 9, "minute": 49}
